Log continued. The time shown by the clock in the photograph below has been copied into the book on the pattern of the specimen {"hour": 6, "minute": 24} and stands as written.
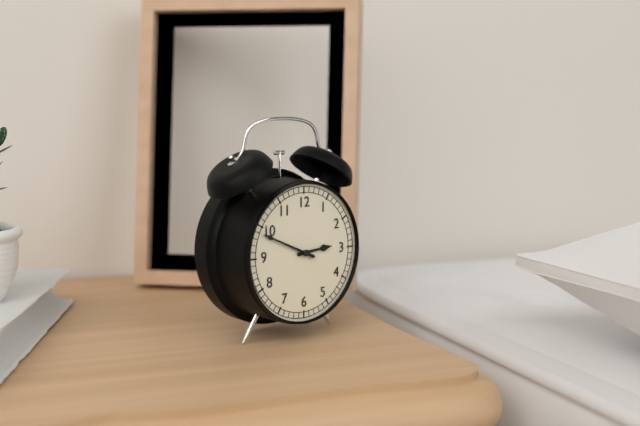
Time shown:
{"hour": 2, "minute": 49}
